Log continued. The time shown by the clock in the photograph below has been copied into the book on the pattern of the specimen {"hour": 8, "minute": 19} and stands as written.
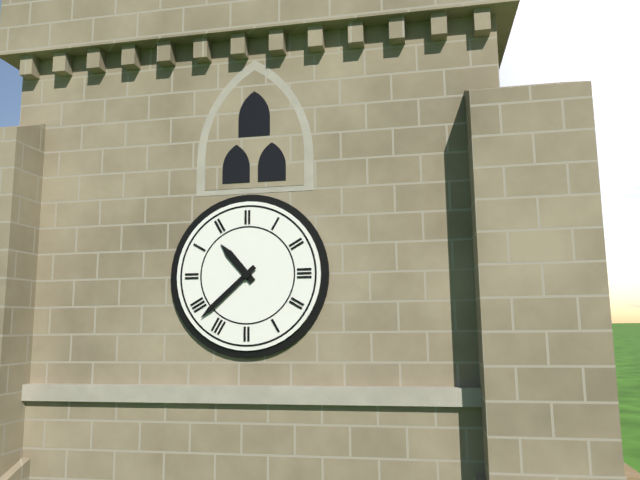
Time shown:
{"hour": 10, "minute": 38}
